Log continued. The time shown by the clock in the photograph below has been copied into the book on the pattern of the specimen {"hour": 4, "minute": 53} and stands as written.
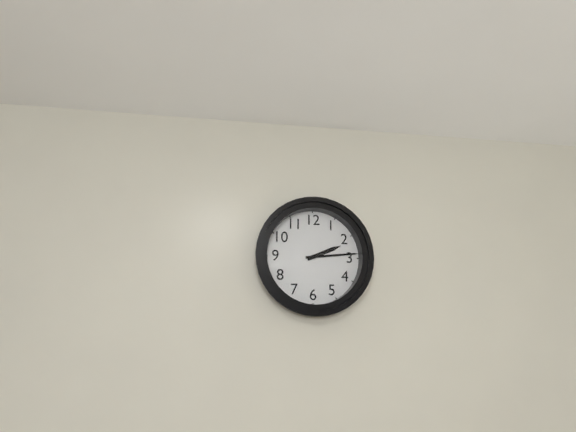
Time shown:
{"hour": 2, "minute": 14}
